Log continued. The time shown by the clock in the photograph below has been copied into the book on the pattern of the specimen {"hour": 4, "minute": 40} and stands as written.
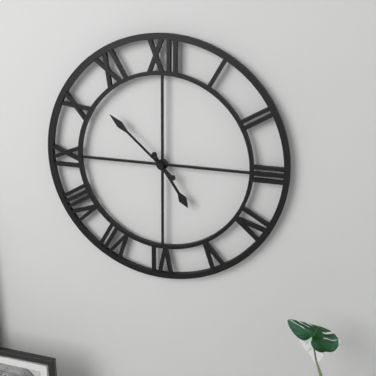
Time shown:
{"hour": 4, "minute": 52}
